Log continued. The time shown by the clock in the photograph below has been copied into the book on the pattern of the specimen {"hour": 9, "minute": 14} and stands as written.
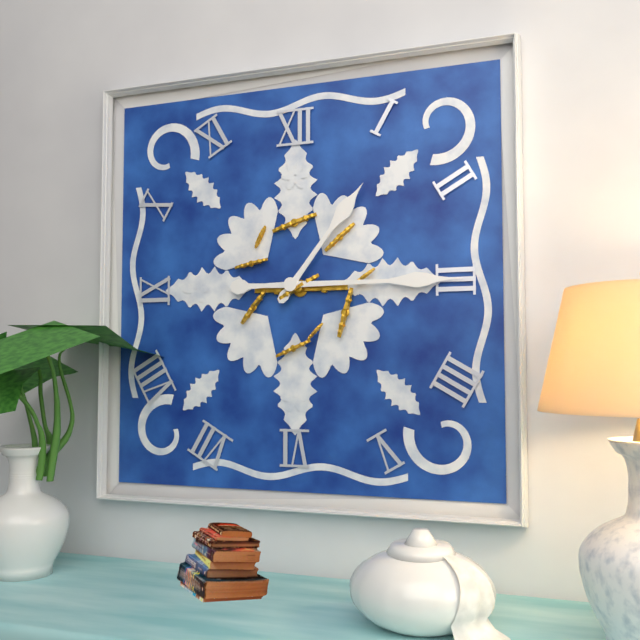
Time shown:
{"hour": 1, "minute": 15}
